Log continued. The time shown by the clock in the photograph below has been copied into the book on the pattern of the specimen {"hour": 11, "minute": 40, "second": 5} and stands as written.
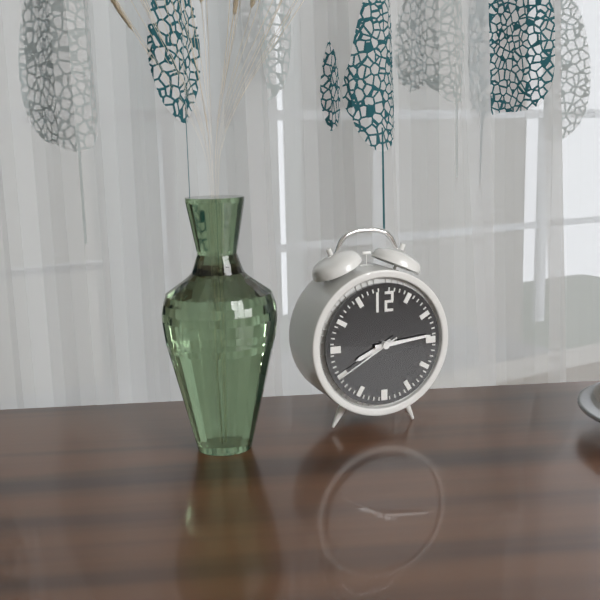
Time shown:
{"hour": 8, "minute": 14, "second": 40}
